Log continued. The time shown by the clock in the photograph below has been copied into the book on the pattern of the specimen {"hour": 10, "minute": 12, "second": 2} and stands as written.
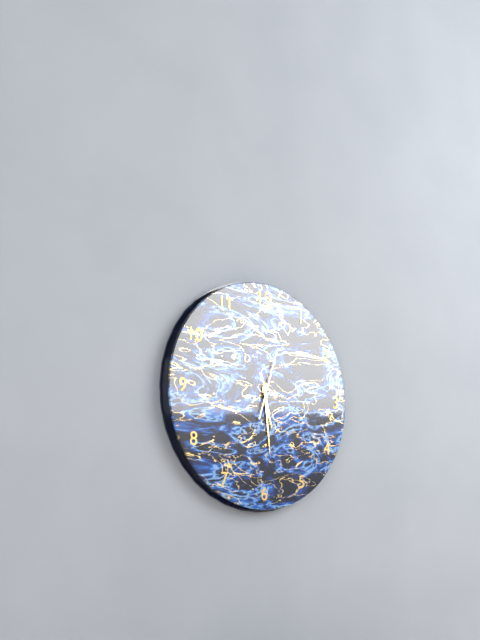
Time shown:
{"hour": 5, "minute": 29, "second": 3}
